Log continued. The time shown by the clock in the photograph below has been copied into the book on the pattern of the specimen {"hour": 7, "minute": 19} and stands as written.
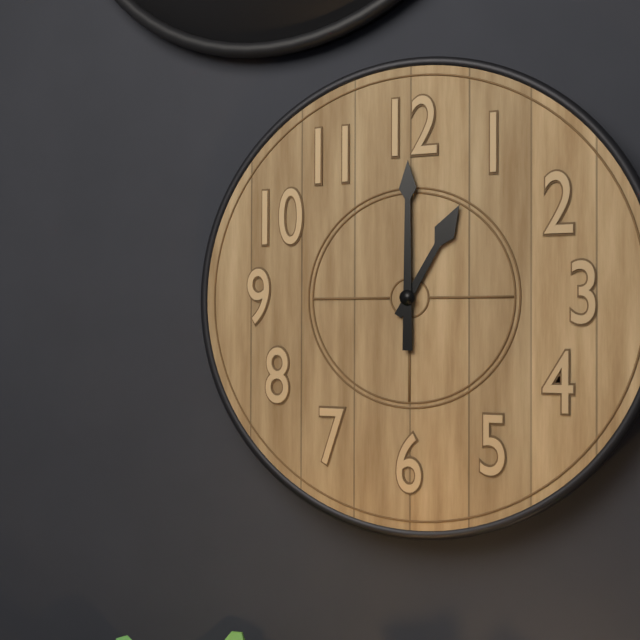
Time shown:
{"hour": 1, "minute": 0}
